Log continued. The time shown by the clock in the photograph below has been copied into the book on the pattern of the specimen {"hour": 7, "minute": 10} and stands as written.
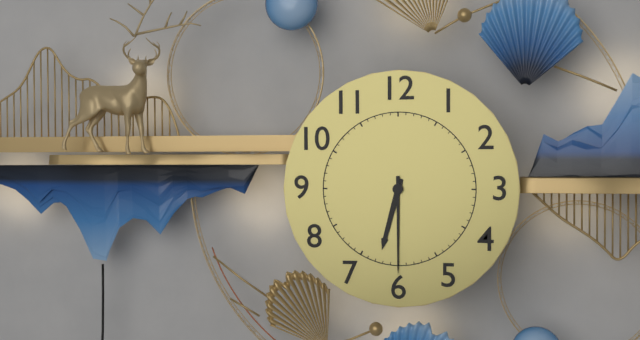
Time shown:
{"hour": 6, "minute": 30}
